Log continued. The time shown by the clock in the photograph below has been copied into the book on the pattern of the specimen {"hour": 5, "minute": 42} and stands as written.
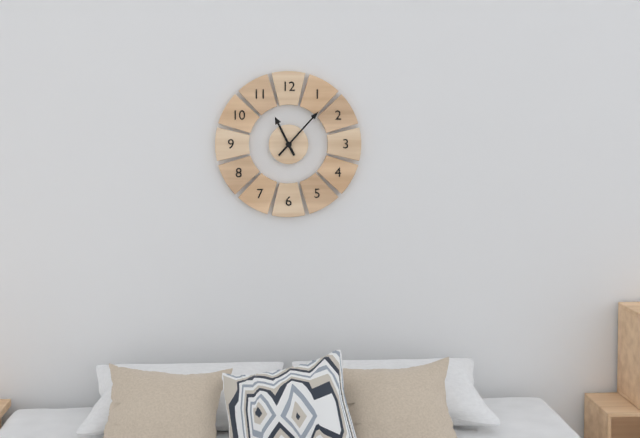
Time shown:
{"hour": 11, "minute": 7}
